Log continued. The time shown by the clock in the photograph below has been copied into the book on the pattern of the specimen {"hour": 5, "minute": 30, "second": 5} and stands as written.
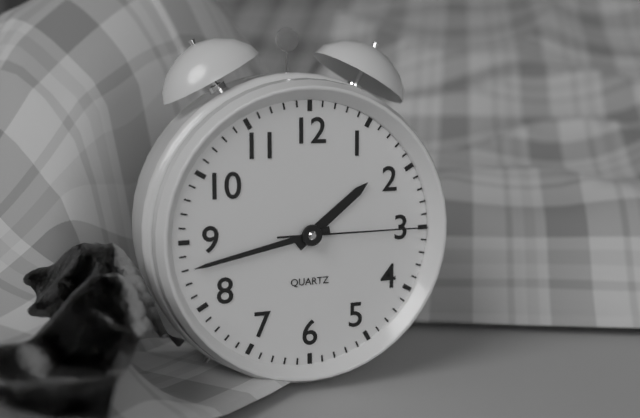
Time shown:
{"hour": 1, "minute": 43, "second": 15}
